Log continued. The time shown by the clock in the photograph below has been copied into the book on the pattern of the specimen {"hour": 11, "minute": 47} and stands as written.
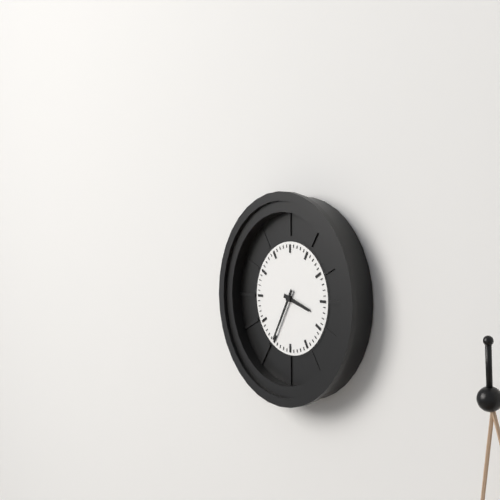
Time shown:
{"hour": 3, "minute": 35}
